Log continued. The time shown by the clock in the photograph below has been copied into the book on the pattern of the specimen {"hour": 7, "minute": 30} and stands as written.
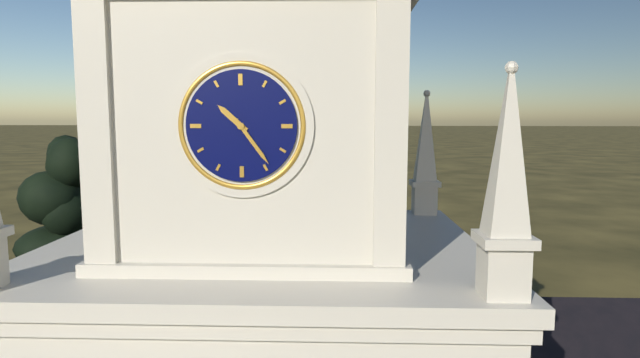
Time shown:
{"hour": 10, "minute": 24}
